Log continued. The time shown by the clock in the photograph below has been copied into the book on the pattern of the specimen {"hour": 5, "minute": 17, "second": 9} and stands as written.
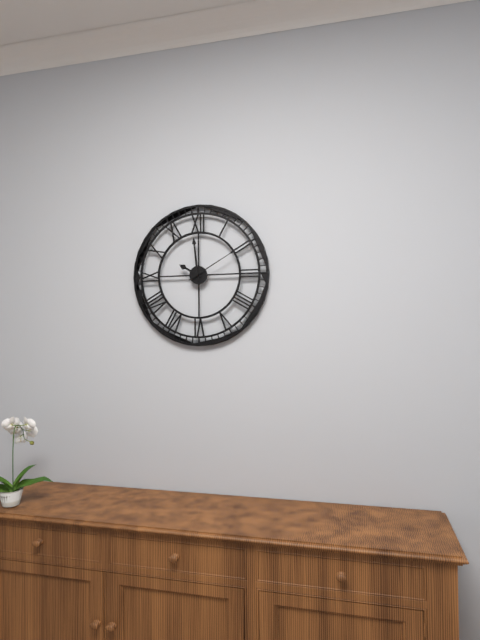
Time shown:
{"hour": 9, "minute": 59, "second": 10}
